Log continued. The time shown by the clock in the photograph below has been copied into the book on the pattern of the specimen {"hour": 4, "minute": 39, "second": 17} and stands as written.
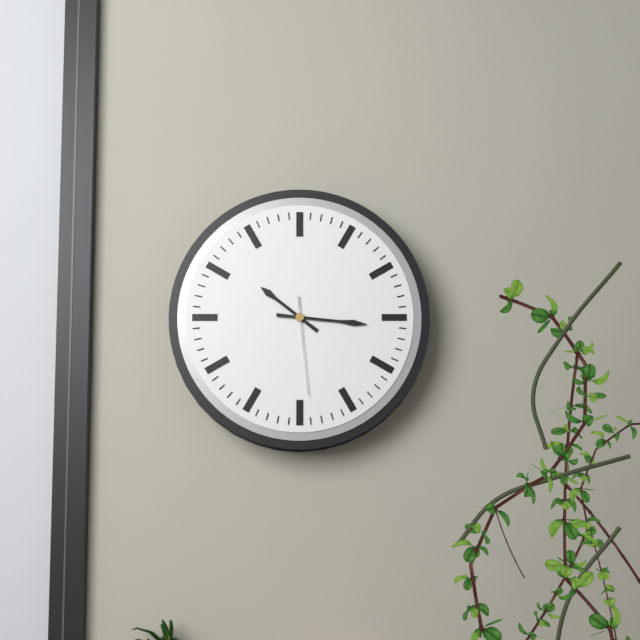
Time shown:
{"hour": 10, "minute": 16, "second": 29}
